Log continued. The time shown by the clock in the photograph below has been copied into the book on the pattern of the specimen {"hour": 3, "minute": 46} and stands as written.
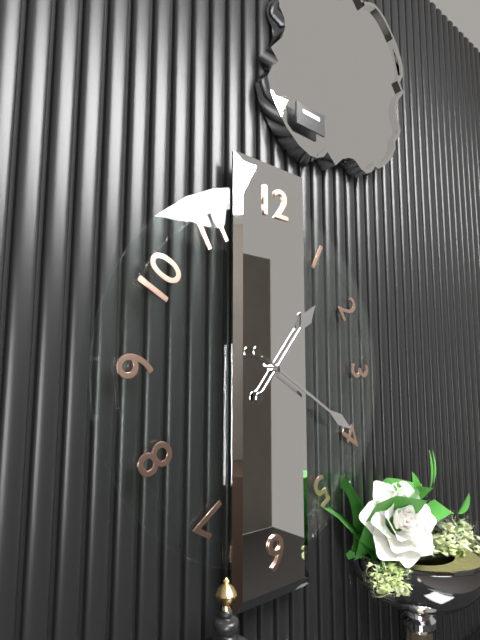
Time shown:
{"hour": 1, "minute": 20}
